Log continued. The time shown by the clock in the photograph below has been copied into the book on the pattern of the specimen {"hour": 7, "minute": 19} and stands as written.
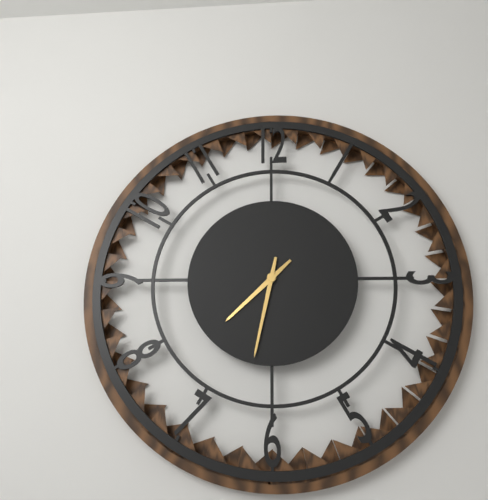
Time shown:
{"hour": 7, "minute": 32}
